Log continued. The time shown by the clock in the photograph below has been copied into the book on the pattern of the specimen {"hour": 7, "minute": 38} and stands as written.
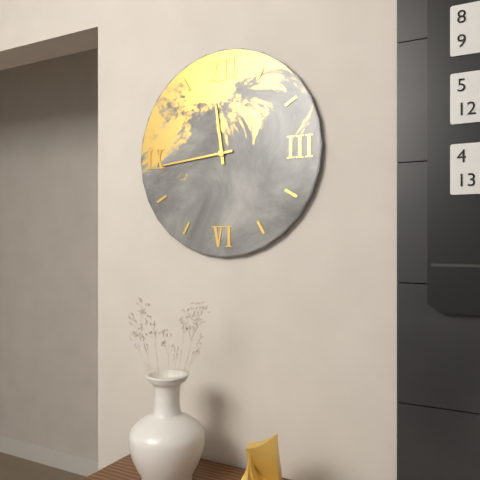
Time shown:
{"hour": 11, "minute": 44}
